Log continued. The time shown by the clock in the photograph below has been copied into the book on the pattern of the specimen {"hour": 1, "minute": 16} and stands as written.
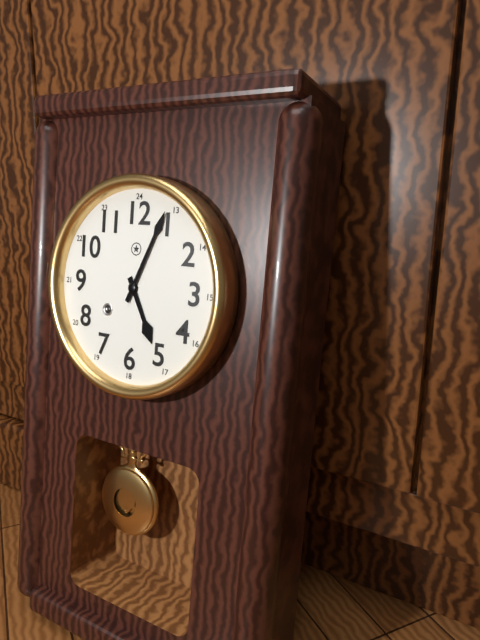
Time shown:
{"hour": 5, "minute": 4}
